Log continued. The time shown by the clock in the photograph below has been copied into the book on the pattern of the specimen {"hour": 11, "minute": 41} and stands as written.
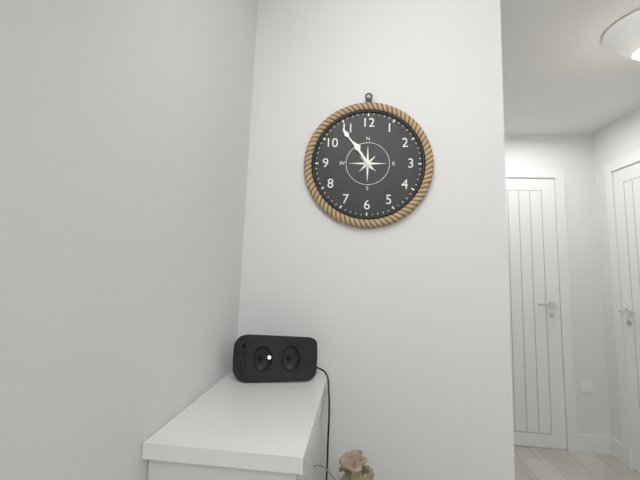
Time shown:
{"hour": 10, "minute": 54}
